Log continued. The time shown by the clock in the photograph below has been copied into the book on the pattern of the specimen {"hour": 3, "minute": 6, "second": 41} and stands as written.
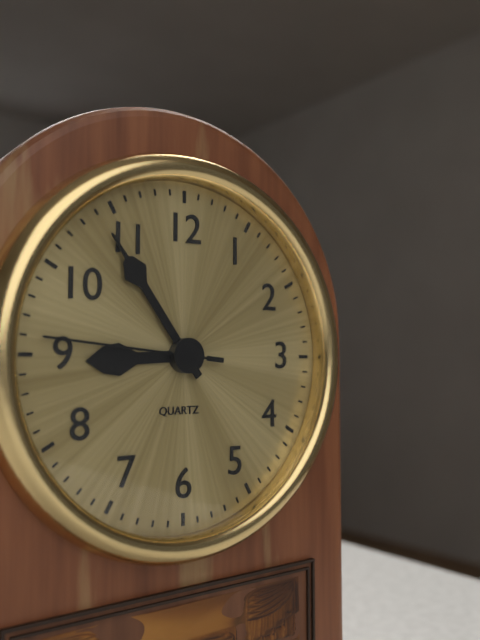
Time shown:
{"hour": 8, "minute": 54, "second": 46}
